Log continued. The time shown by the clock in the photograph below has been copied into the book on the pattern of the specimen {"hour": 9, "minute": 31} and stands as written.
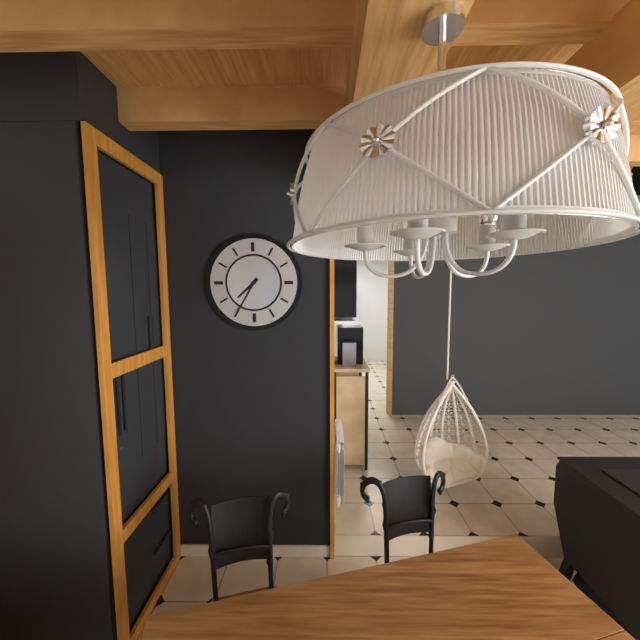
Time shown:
{"hour": 7, "minute": 35}
